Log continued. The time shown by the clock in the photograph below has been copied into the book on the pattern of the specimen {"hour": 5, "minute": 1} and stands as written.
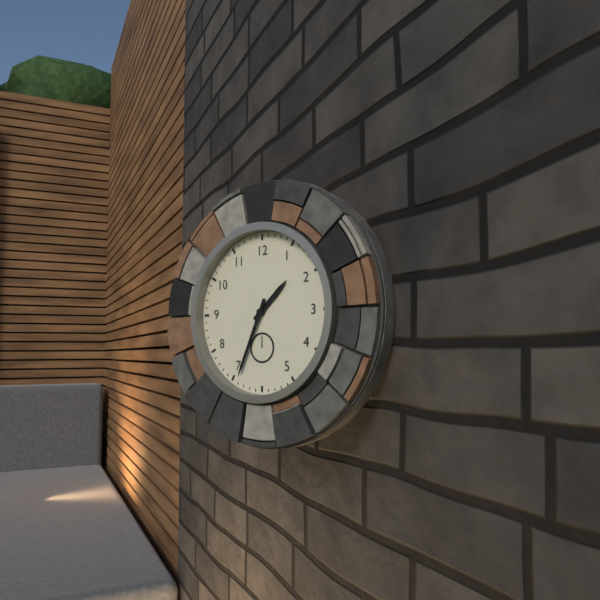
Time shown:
{"hour": 1, "minute": 34}
